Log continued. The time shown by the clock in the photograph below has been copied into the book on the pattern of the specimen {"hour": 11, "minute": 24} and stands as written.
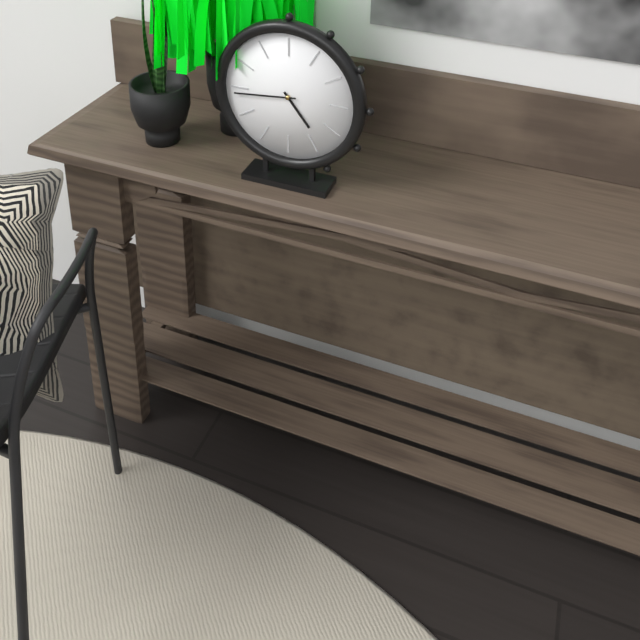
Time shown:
{"hour": 4, "minute": 44}
